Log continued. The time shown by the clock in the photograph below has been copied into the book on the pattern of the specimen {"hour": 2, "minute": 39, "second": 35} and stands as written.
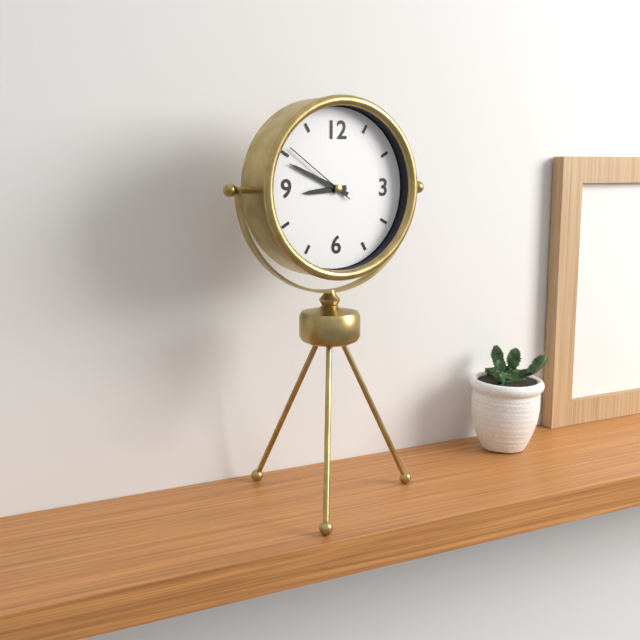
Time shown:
{"hour": 8, "minute": 49, "second": 51}
